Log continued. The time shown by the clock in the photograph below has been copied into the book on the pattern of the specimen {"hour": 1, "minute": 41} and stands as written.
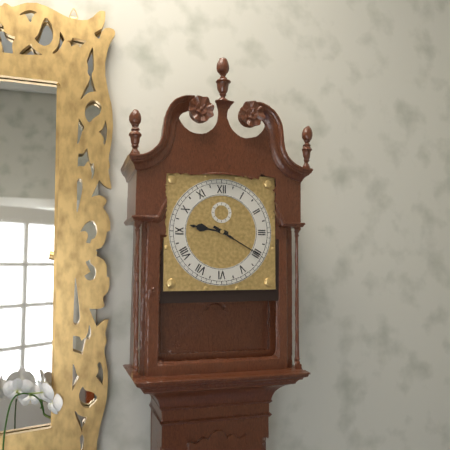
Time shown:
{"hour": 9, "minute": 20}
